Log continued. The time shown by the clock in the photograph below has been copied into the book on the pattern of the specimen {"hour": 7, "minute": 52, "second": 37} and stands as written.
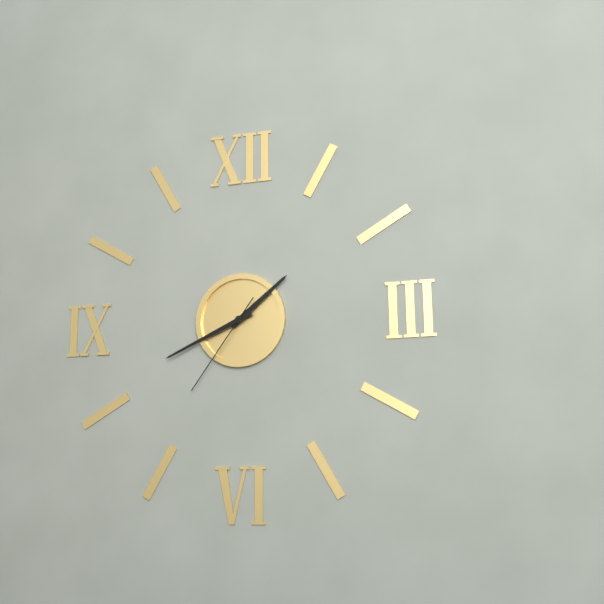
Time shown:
{"hour": 1, "minute": 41, "second": 36}
